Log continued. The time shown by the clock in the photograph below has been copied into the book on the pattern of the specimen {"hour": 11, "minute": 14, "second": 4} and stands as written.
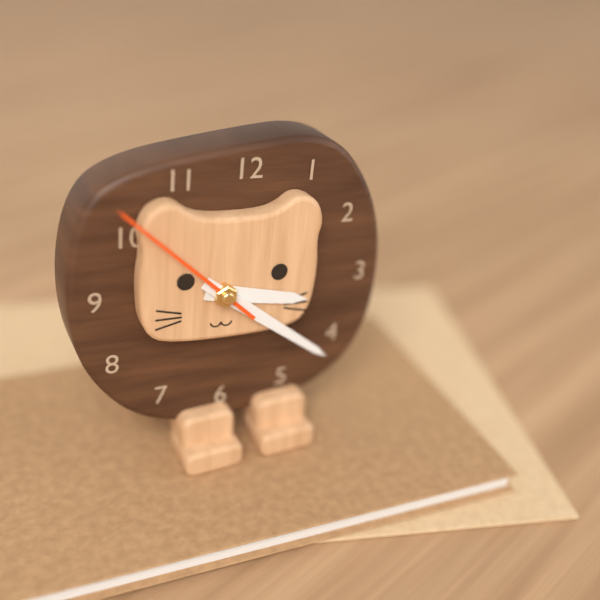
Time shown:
{"hour": 3, "minute": 21, "second": 52}
